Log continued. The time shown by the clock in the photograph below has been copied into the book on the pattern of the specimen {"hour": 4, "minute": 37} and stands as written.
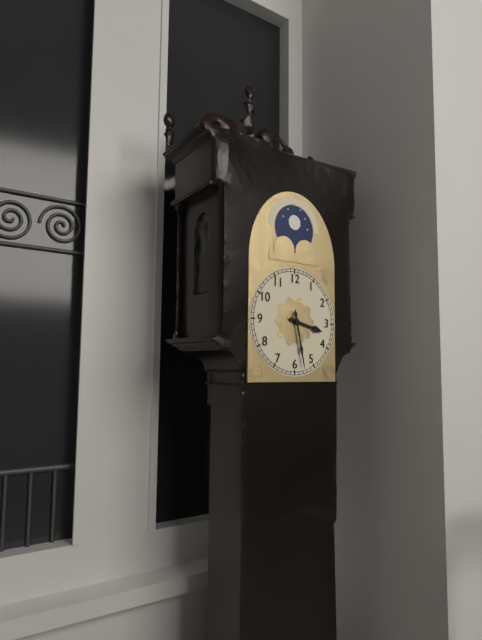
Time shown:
{"hour": 3, "minute": 28}
